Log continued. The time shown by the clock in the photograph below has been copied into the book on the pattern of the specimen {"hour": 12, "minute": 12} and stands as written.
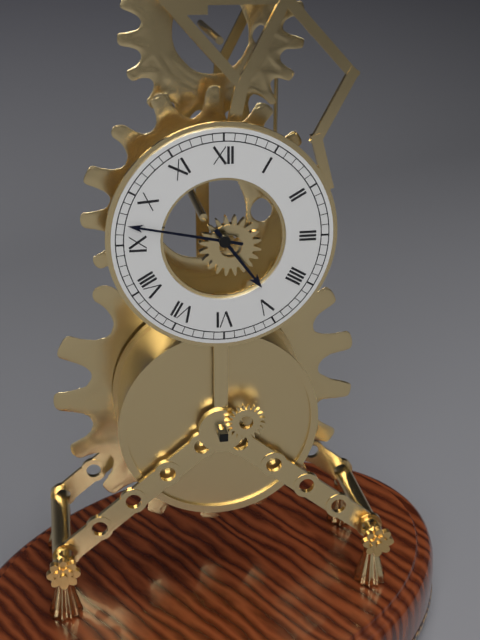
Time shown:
{"hour": 4, "minute": 47}
